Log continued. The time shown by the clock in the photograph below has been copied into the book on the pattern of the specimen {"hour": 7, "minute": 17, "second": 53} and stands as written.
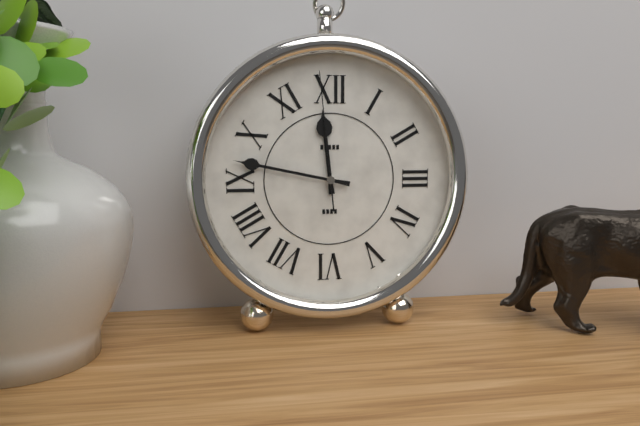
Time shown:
{"hour": 11, "minute": 47, "second": 59}
